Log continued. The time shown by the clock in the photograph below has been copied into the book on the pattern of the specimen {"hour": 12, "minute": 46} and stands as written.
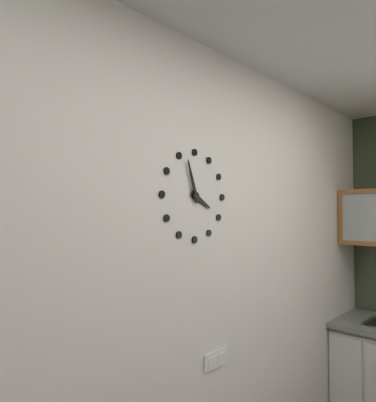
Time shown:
{"hour": 3, "minute": 57}
